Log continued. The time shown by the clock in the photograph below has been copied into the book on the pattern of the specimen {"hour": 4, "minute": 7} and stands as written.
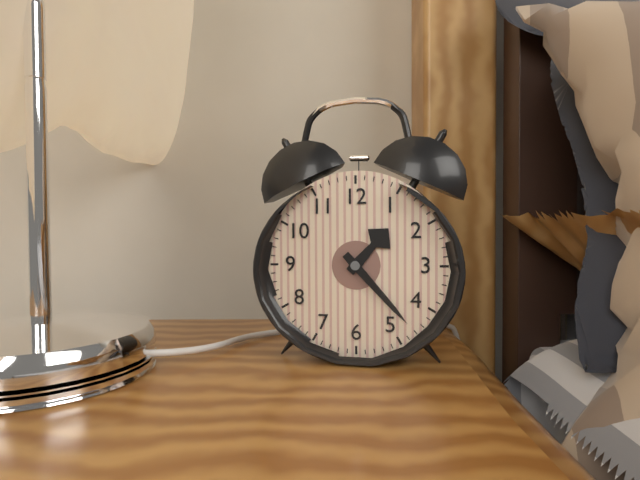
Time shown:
{"hour": 1, "minute": 23}
